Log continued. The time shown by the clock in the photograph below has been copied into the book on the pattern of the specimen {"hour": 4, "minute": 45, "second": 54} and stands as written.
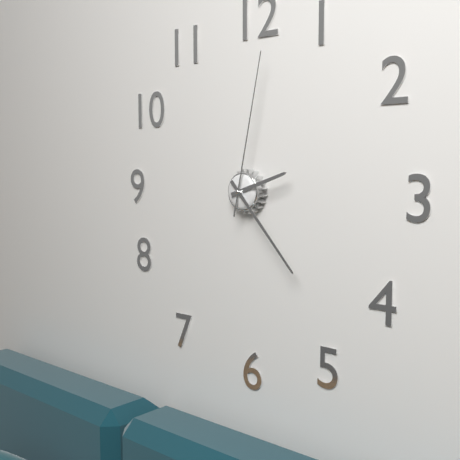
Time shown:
{"hour": 2, "minute": 23, "second": 2}
